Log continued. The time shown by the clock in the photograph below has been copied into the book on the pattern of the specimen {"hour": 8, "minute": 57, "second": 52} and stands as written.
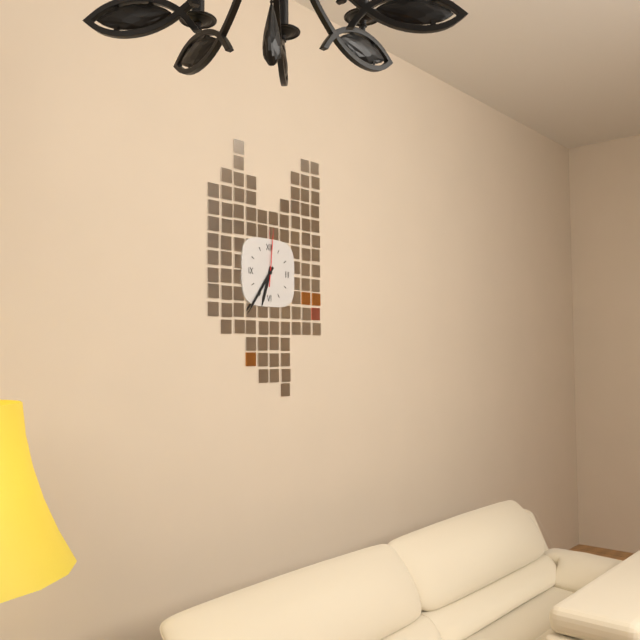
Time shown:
{"hour": 6, "minute": 36, "second": 1}
